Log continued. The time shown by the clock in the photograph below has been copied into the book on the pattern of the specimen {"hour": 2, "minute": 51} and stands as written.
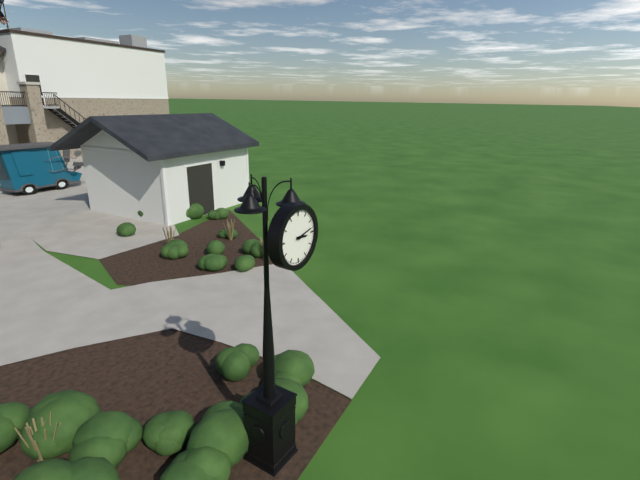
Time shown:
{"hour": 3, "minute": 13}
